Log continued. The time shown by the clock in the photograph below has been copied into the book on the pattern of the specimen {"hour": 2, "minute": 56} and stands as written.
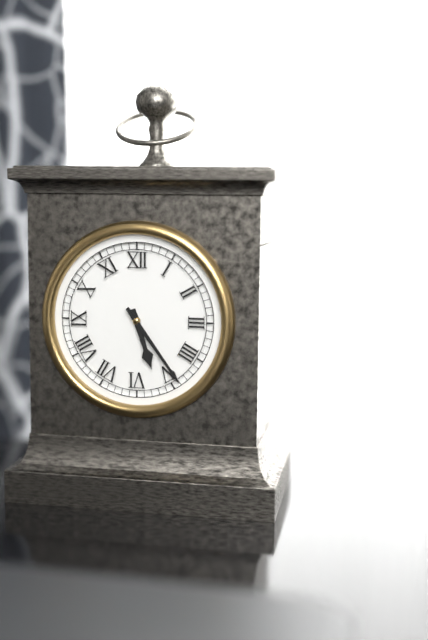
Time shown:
{"hour": 5, "minute": 24}
